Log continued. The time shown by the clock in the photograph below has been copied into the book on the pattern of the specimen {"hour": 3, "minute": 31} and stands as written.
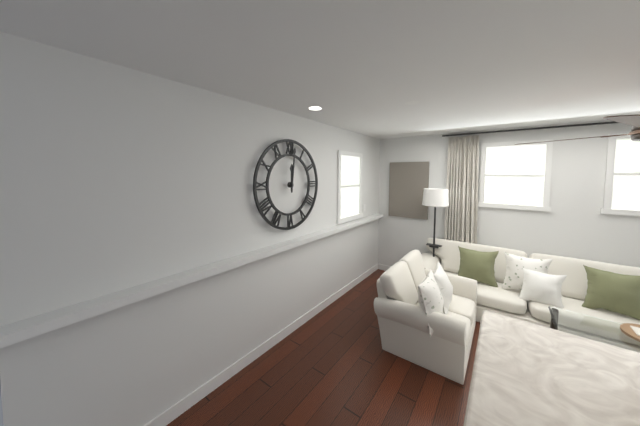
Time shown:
{"hour": 12, "minute": 1}
